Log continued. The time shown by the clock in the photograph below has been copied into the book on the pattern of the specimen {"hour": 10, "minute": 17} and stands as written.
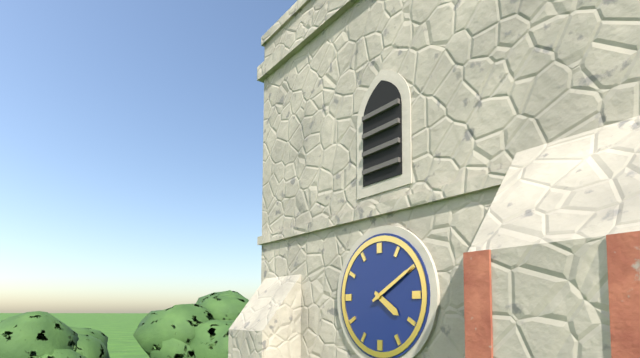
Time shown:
{"hour": 4, "minute": 10}
